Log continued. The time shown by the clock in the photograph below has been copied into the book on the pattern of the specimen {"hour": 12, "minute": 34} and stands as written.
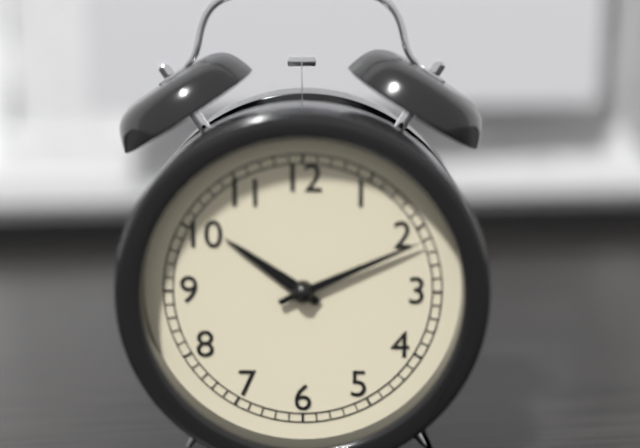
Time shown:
{"hour": 10, "minute": 11}
